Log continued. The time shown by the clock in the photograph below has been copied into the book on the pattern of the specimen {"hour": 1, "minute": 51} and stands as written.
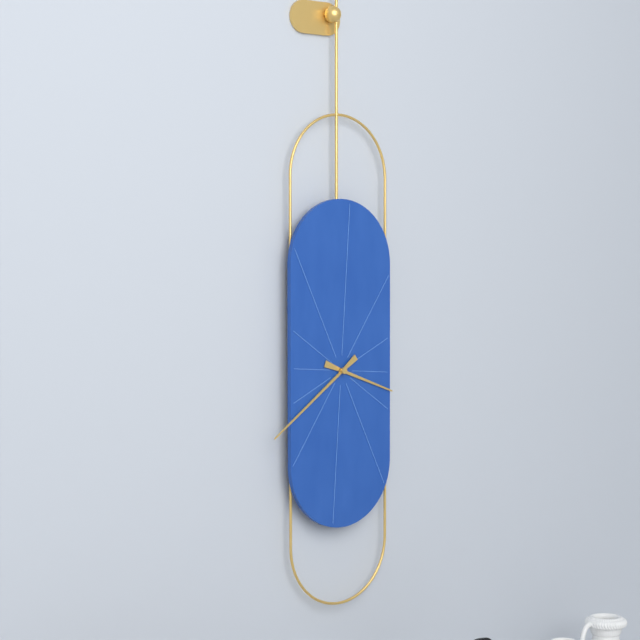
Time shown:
{"hour": 3, "minute": 39}
